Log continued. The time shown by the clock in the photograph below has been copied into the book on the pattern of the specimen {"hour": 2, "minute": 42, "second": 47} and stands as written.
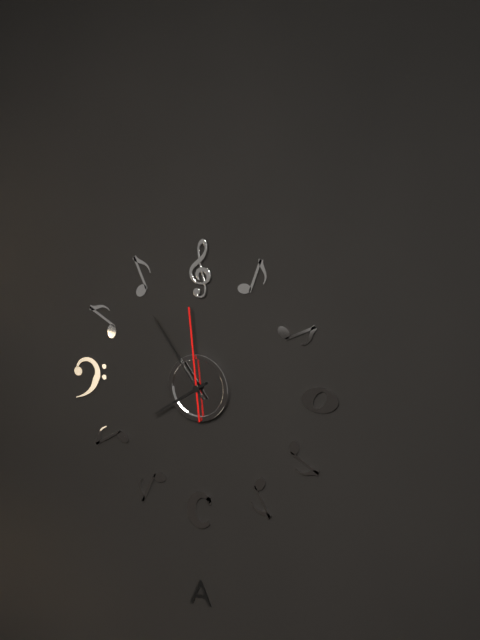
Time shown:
{"hour": 7, "minute": 54, "second": 59}
